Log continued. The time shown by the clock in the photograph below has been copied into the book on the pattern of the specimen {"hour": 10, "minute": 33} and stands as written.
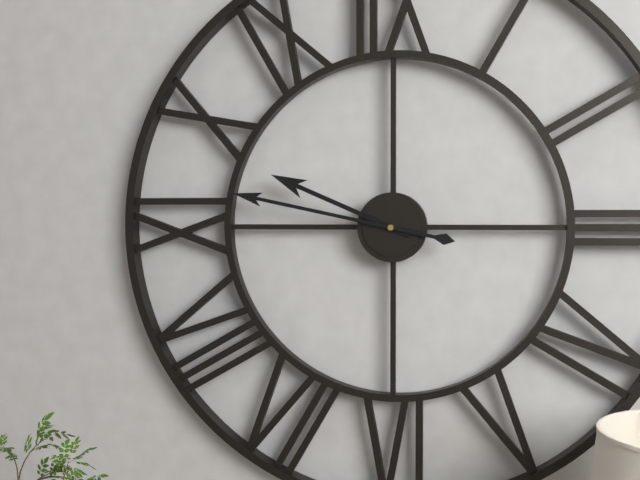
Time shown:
{"hour": 9, "minute": 47}
